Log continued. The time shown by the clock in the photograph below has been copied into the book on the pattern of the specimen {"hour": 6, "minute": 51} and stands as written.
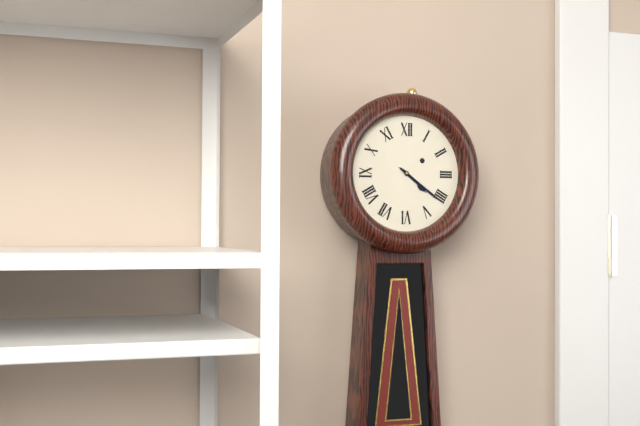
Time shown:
{"hour": 4, "minute": 21}
